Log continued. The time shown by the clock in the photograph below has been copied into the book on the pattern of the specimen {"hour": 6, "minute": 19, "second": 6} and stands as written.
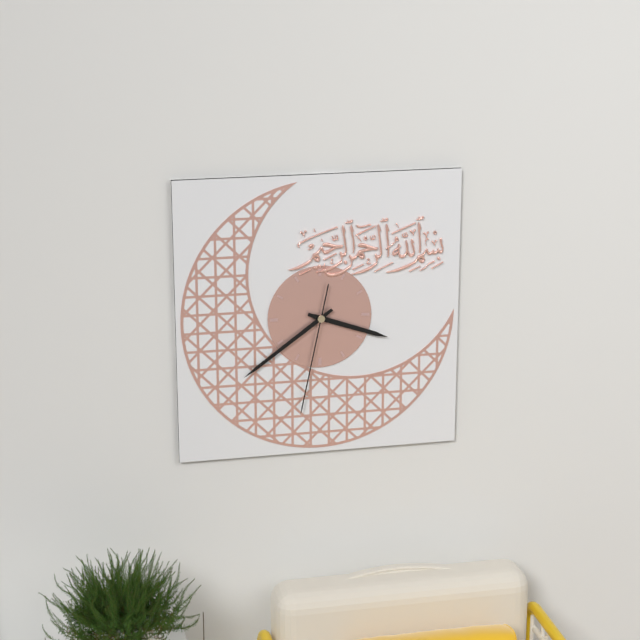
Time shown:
{"hour": 3, "minute": 39, "second": 32}
